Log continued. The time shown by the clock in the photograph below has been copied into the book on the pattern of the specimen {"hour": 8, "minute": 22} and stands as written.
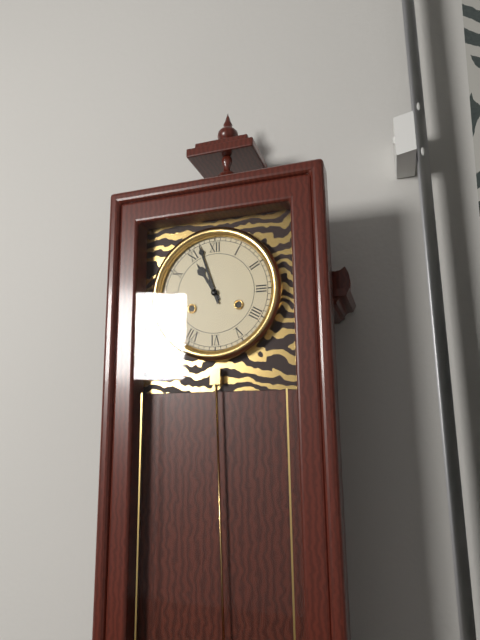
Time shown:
{"hour": 10, "minute": 57}
